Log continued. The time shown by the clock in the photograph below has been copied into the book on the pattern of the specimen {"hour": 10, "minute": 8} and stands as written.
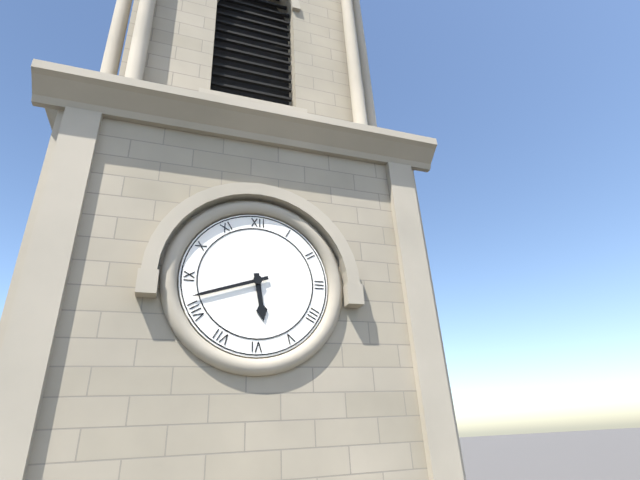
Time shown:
{"hour": 5, "minute": 42}
